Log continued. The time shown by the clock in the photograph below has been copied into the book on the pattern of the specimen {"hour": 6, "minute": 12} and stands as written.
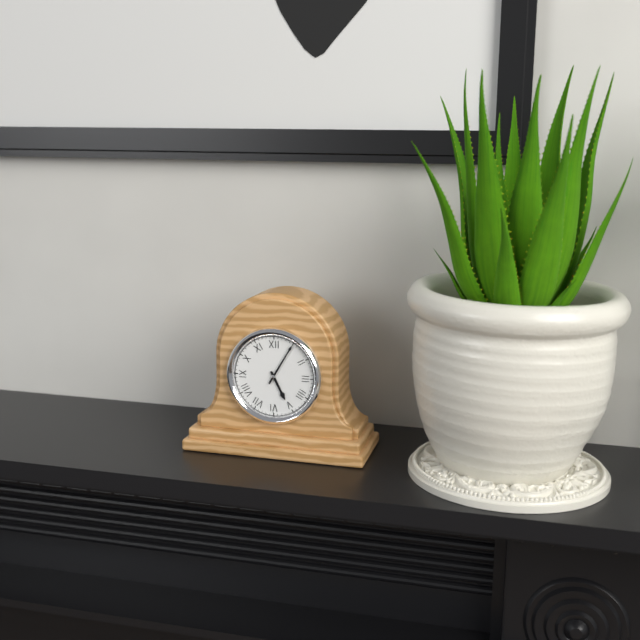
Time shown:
{"hour": 5, "minute": 5}
